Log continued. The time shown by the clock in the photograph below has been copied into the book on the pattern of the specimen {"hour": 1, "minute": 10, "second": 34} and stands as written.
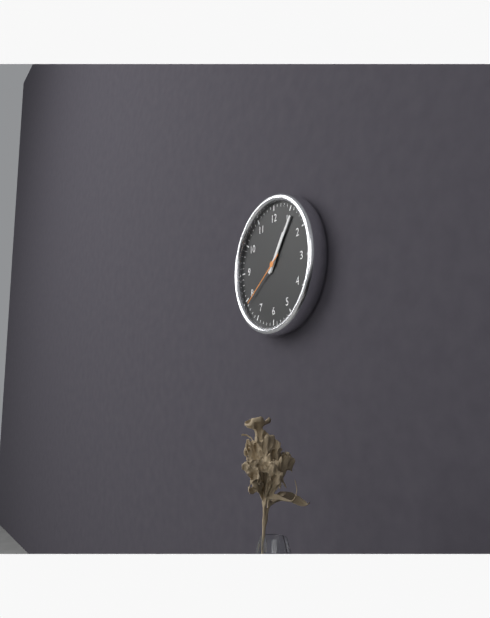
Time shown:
{"hour": 1, "minute": 6, "second": 39}
